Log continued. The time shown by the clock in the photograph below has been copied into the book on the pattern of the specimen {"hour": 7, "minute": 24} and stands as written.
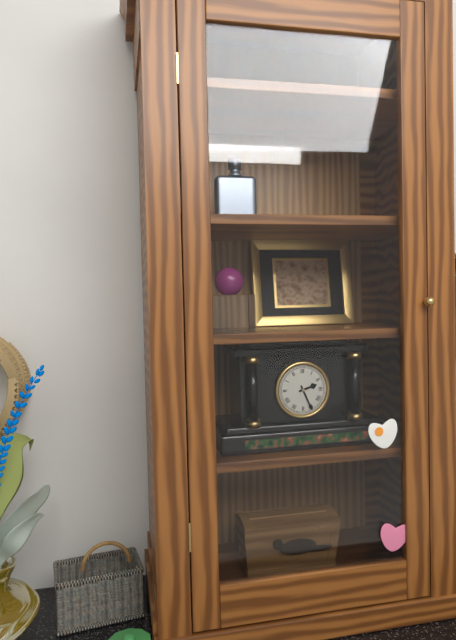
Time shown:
{"hour": 2, "minute": 26}
